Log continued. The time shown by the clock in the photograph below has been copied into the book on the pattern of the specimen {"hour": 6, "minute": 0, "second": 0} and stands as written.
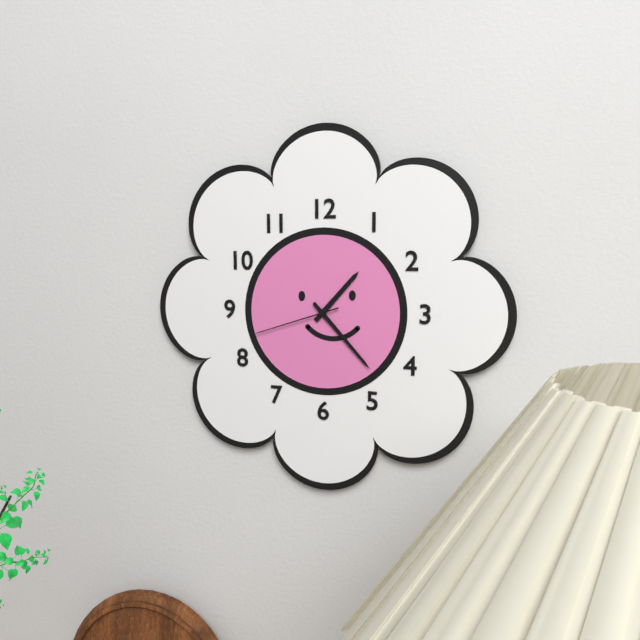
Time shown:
{"hour": 1, "minute": 23, "second": 42}
